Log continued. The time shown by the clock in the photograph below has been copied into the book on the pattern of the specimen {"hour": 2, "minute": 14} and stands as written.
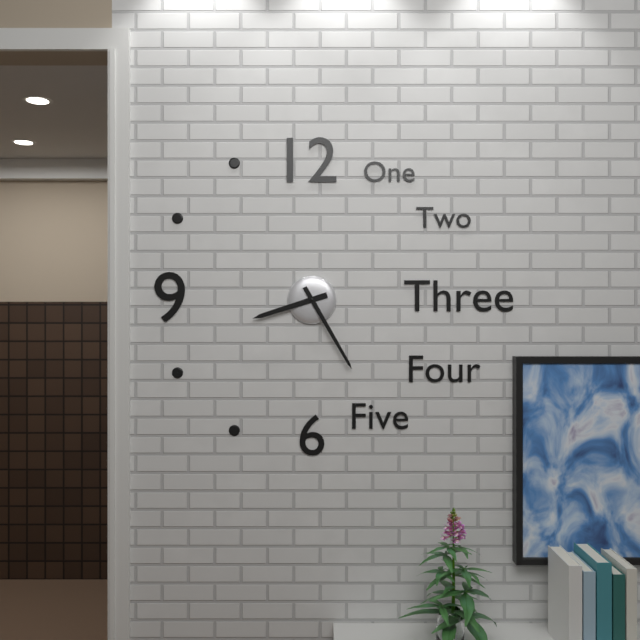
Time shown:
{"hour": 8, "minute": 25}
